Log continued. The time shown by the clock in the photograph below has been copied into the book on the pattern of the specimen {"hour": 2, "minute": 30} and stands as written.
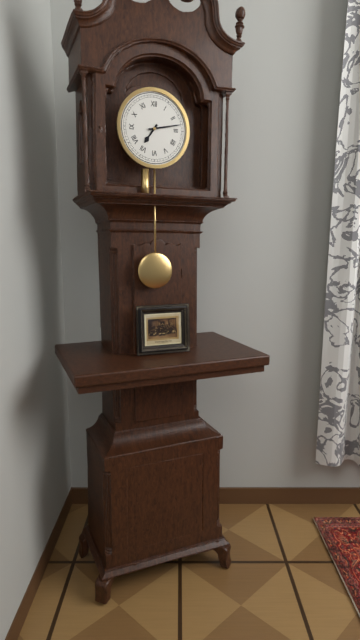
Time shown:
{"hour": 7, "minute": 13}
